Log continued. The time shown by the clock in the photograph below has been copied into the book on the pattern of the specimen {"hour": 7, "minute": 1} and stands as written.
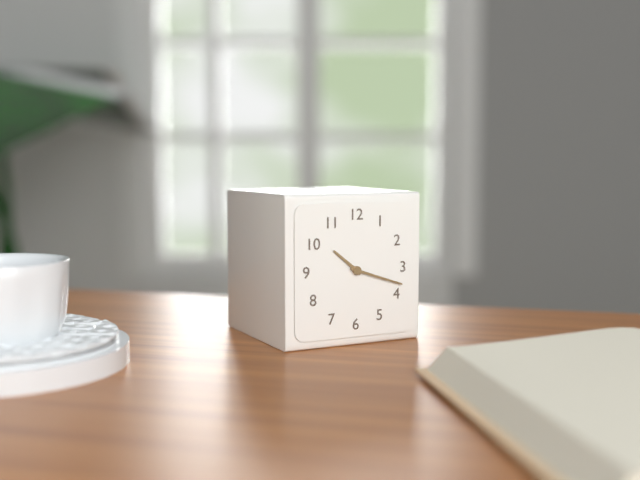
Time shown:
{"hour": 10, "minute": 18}
